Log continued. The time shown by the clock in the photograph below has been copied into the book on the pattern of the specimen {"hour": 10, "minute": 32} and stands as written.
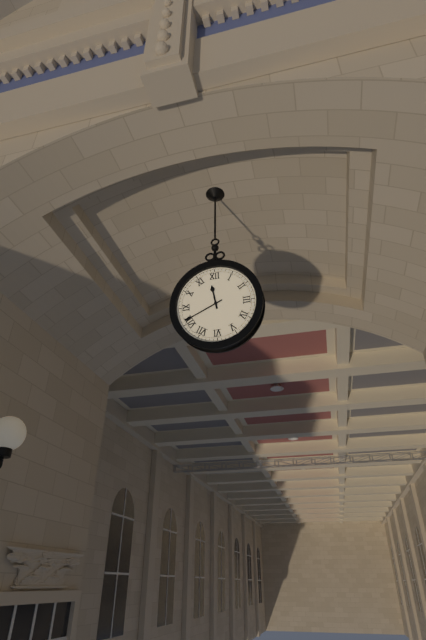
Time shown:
{"hour": 11, "minute": 41}
